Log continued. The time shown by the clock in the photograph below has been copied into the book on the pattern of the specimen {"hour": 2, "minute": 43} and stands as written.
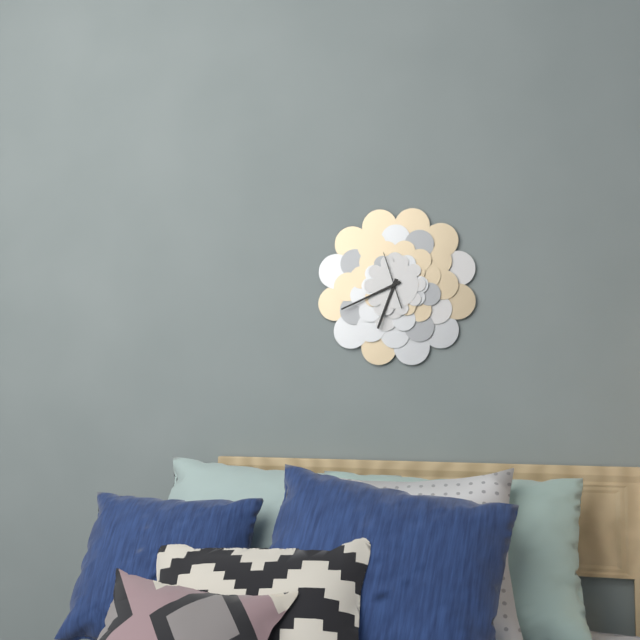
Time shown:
{"hour": 6, "minute": 41}
